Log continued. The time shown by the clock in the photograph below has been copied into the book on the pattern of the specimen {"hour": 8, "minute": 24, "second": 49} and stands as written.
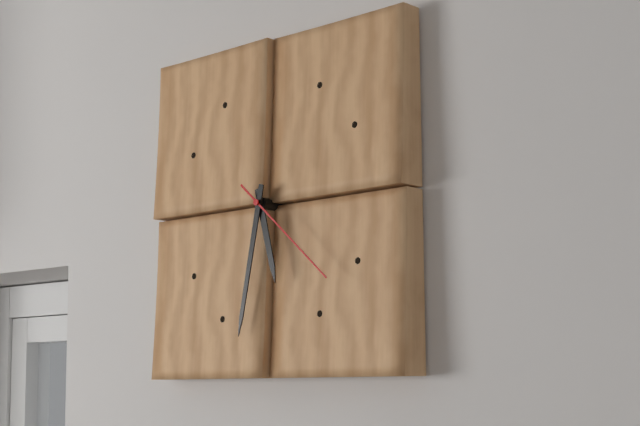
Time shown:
{"hour": 5, "minute": 32, "second": 22}
